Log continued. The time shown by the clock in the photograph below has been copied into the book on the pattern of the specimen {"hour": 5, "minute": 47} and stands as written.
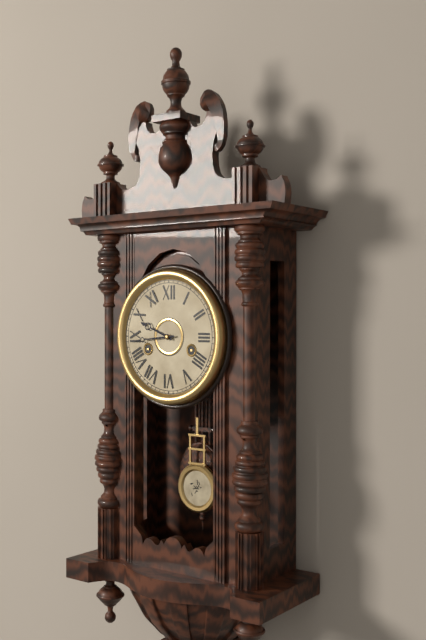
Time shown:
{"hour": 9, "minute": 44}
